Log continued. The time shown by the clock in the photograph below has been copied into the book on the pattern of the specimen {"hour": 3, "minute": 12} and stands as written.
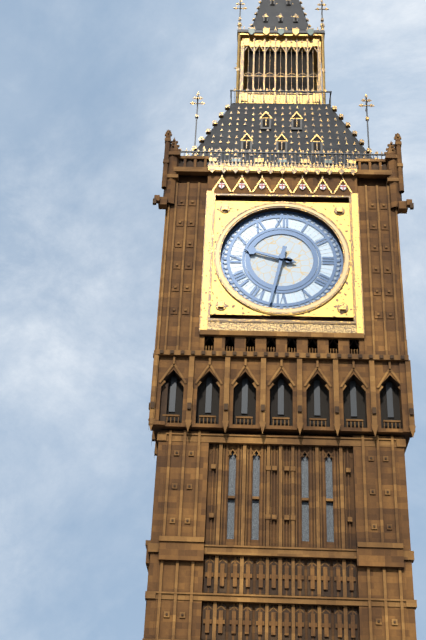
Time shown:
{"hour": 9, "minute": 32}
